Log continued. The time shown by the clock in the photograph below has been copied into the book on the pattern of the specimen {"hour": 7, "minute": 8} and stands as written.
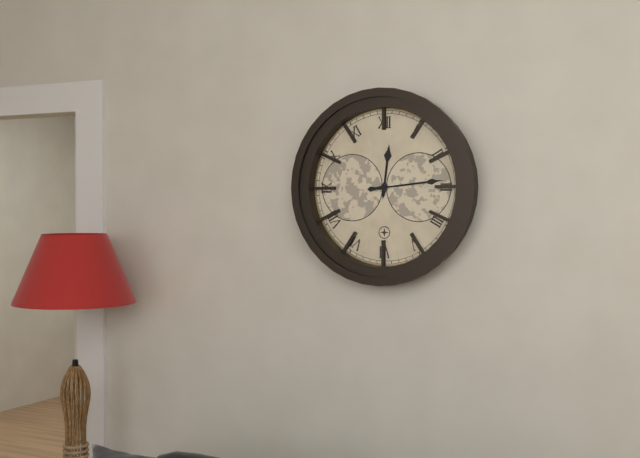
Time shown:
{"hour": 12, "minute": 14}
